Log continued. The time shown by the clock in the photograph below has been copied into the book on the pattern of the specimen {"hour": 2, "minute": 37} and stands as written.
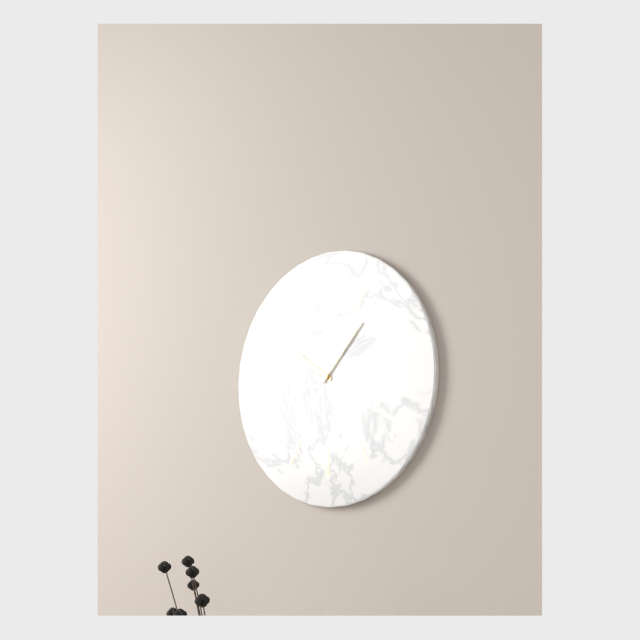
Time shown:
{"hour": 10, "minute": 7}
